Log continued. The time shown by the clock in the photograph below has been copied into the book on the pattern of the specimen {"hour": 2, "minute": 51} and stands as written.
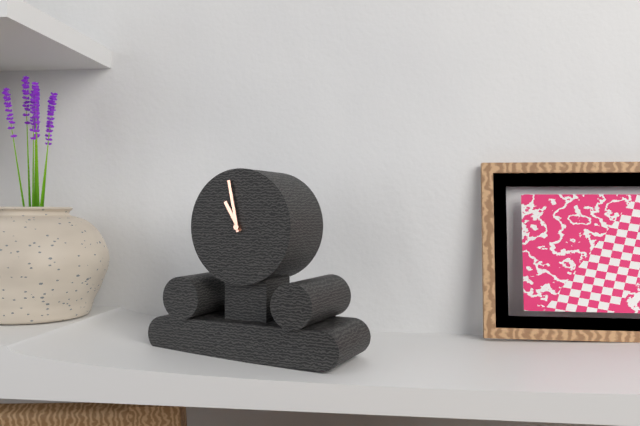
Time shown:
{"hour": 10, "minute": 58}
